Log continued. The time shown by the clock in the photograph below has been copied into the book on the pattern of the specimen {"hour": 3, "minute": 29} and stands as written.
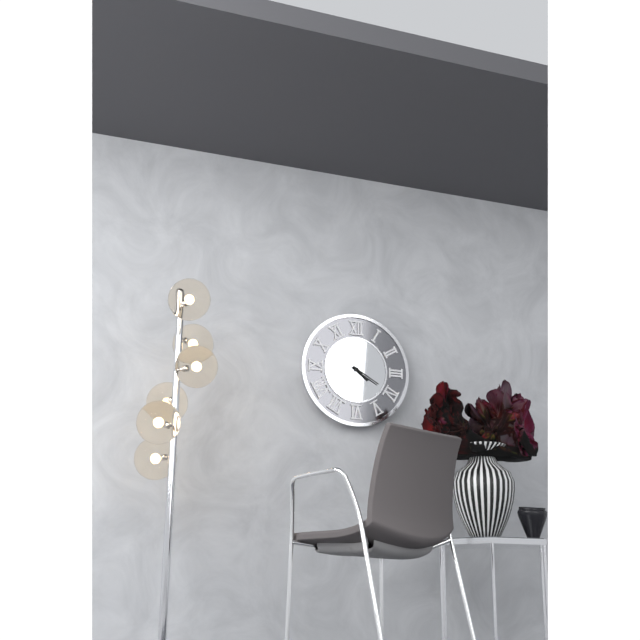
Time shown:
{"hour": 4, "minute": 20}
